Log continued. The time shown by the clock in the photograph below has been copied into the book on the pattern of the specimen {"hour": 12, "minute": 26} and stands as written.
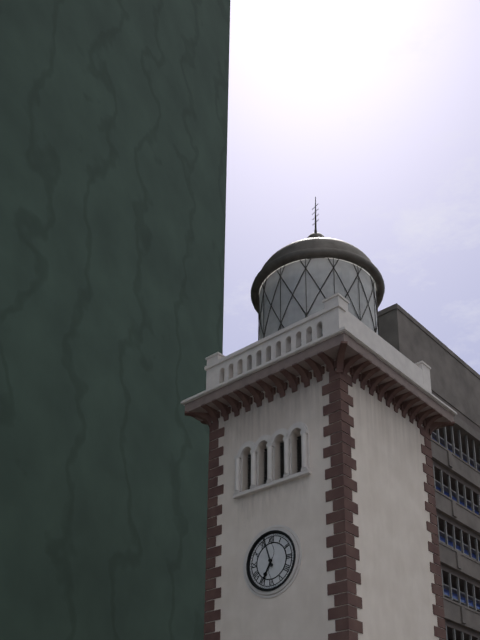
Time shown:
{"hour": 6, "minute": 57}
